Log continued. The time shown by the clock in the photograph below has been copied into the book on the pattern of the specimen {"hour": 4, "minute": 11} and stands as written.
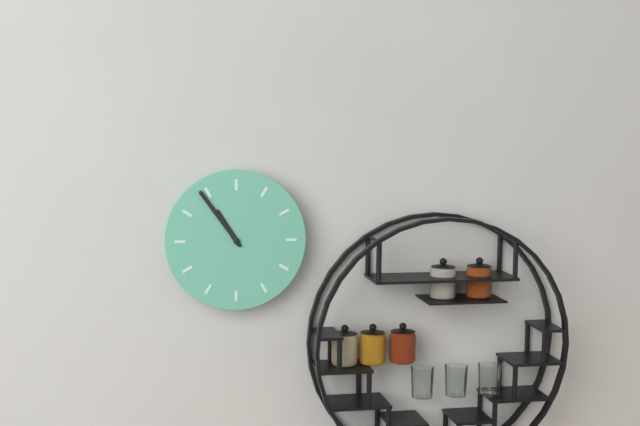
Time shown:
{"hour": 10, "minute": 54}
